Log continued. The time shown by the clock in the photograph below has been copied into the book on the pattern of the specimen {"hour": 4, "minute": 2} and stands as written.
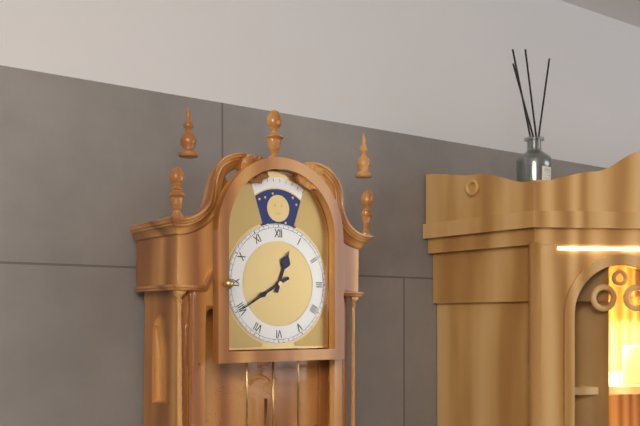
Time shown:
{"hour": 12, "minute": 40}
